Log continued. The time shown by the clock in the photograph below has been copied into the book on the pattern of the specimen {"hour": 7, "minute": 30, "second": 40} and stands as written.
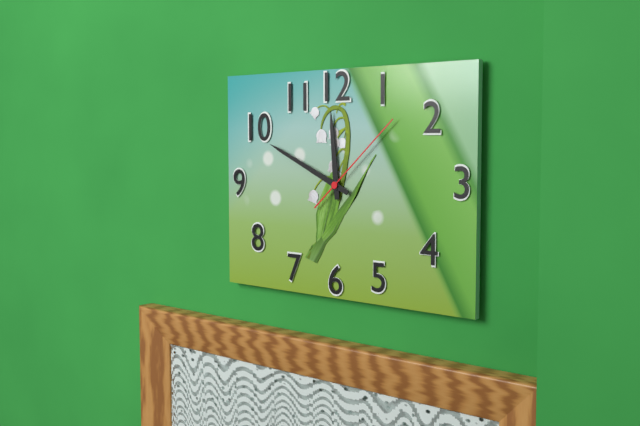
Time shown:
{"hour": 11, "minute": 49, "second": 8}
